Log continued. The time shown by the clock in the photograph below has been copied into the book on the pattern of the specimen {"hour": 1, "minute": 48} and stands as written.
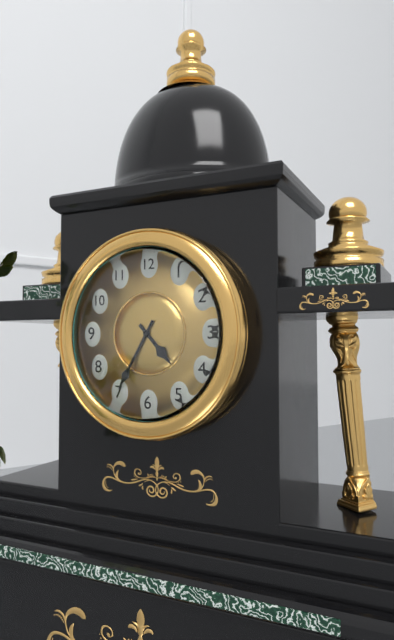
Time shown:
{"hour": 4, "minute": 35}
